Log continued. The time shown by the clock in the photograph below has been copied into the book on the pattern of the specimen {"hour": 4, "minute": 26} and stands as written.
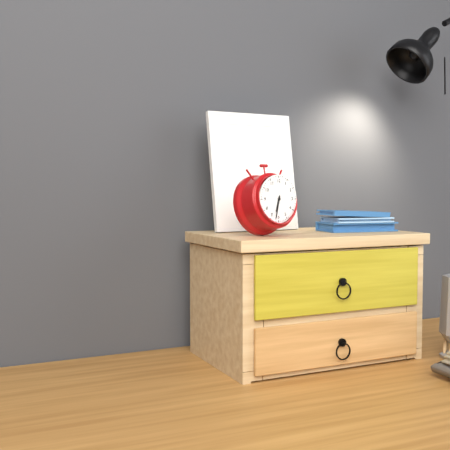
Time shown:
{"hour": 6, "minute": 32}
